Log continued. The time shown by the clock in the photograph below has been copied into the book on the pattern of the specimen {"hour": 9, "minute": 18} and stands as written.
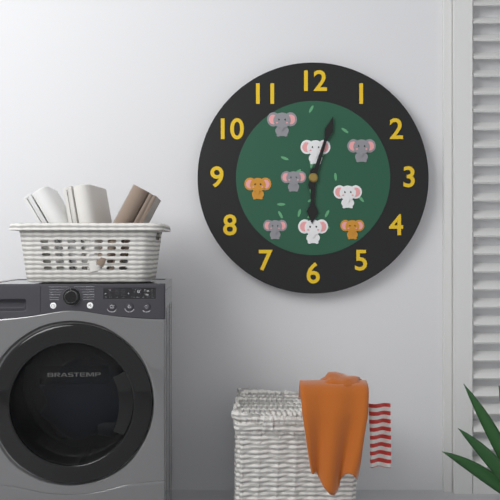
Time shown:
{"hour": 6, "minute": 3}
